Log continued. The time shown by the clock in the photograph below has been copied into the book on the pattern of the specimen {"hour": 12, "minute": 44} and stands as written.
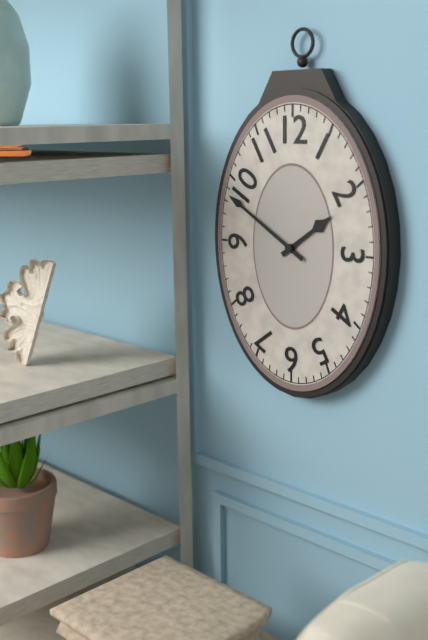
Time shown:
{"hour": 1, "minute": 50}
